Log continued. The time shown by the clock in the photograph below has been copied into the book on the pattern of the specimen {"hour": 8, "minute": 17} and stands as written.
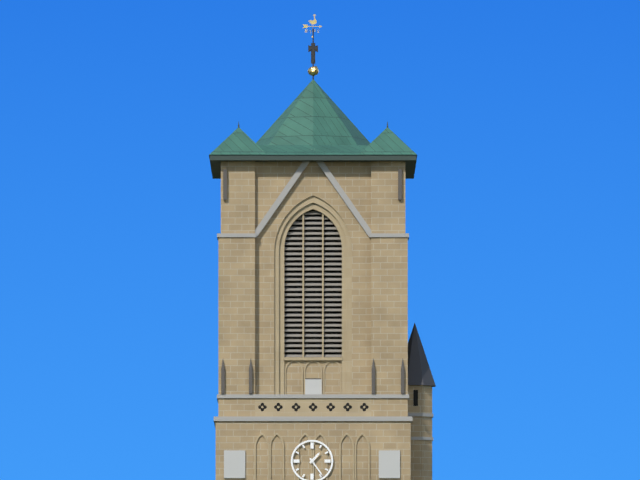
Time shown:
{"hour": 1, "minute": 24}
